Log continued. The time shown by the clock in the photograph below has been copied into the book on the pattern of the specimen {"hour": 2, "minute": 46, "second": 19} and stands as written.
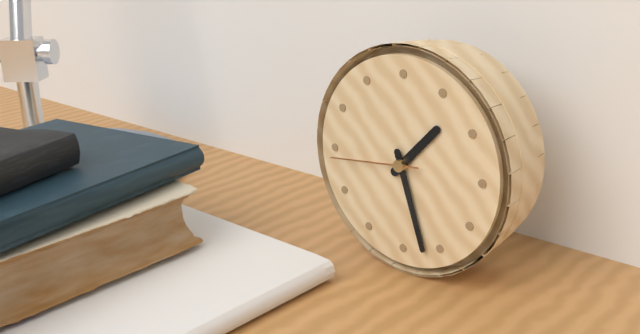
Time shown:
{"hour": 1, "minute": 27, "second": 44}
